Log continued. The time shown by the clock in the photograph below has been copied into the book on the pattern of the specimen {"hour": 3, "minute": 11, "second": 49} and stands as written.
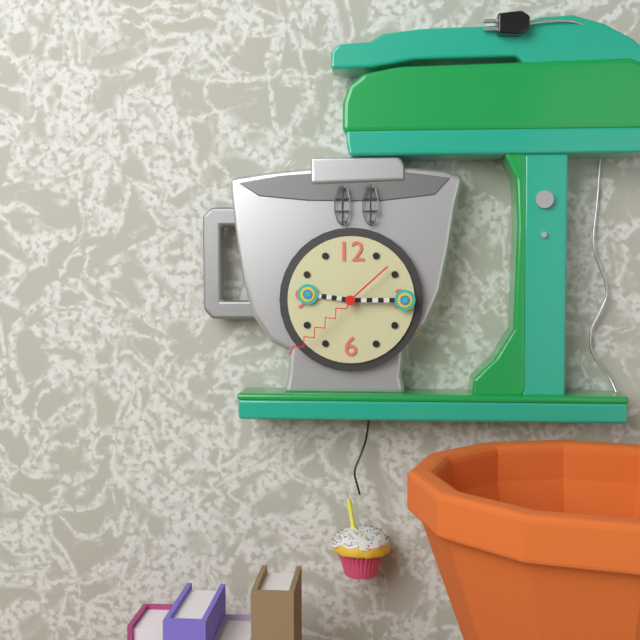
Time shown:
{"hour": 9, "minute": 15, "second": 38}
